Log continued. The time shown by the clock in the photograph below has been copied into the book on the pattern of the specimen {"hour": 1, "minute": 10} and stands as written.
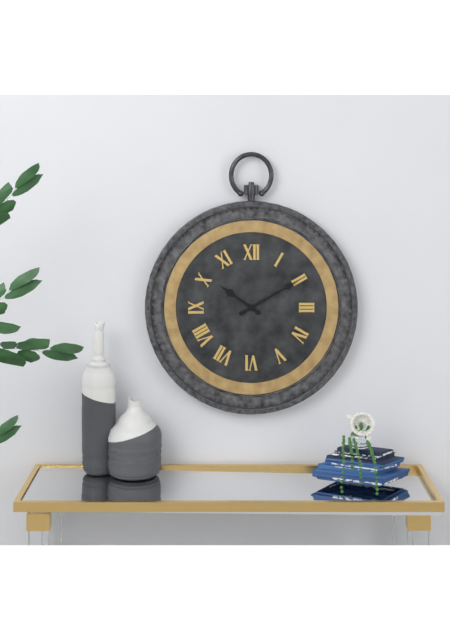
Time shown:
{"hour": 10, "minute": 10}
